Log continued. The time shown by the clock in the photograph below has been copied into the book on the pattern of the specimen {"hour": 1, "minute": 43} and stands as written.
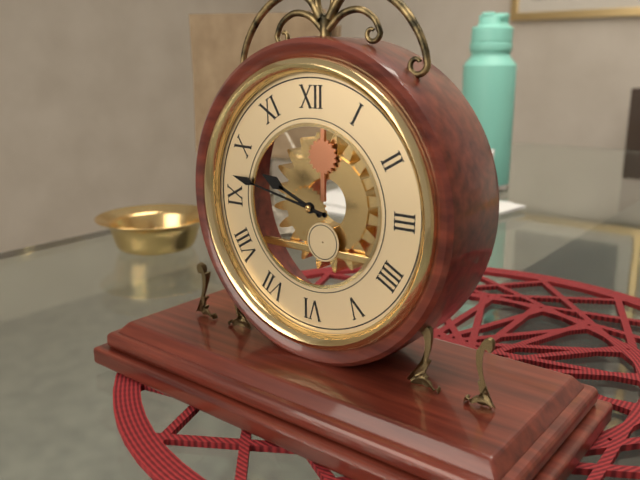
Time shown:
{"hour": 9, "minute": 47}
